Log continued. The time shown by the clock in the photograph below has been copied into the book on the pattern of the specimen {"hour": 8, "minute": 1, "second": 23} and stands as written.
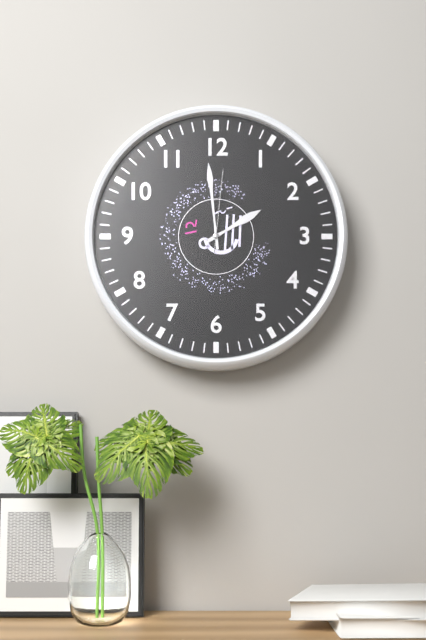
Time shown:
{"hour": 1, "minute": 59, "second": 1}
